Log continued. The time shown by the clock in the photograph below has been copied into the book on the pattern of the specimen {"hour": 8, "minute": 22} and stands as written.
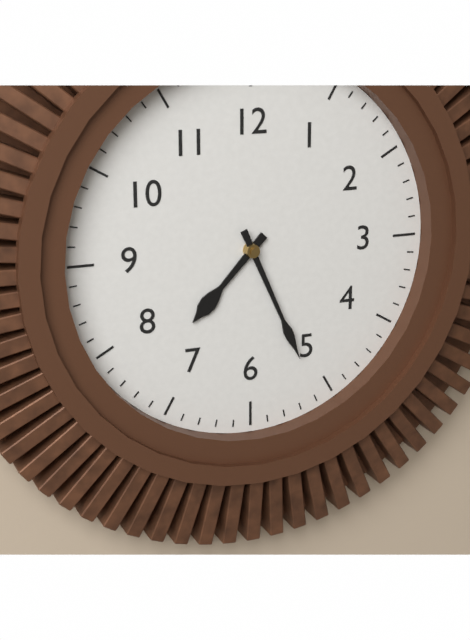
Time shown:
{"hour": 7, "minute": 26}
